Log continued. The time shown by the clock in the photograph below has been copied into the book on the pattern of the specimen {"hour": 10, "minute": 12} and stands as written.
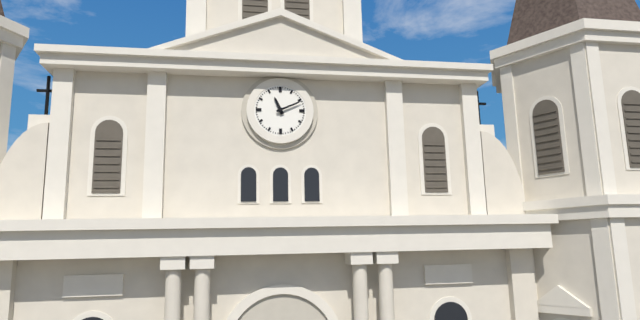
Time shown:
{"hour": 11, "minute": 11}
